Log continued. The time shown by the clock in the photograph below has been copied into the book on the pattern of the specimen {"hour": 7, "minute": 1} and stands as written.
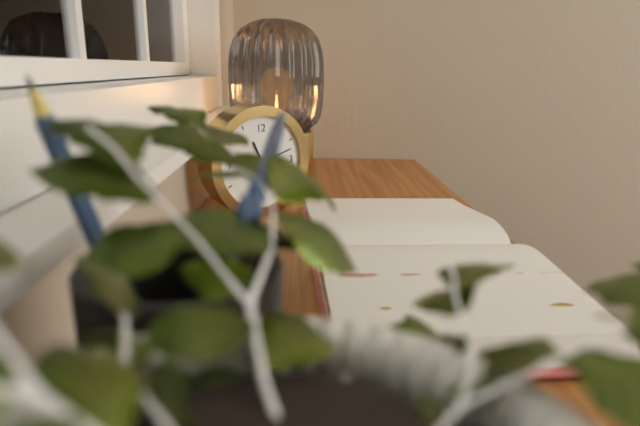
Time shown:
{"hour": 11, "minute": 12}
